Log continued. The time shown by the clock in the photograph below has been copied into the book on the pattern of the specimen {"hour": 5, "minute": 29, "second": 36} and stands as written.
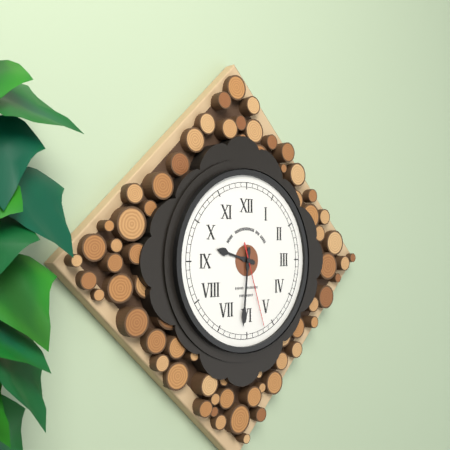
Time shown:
{"hour": 9, "minute": 31, "second": 27}
